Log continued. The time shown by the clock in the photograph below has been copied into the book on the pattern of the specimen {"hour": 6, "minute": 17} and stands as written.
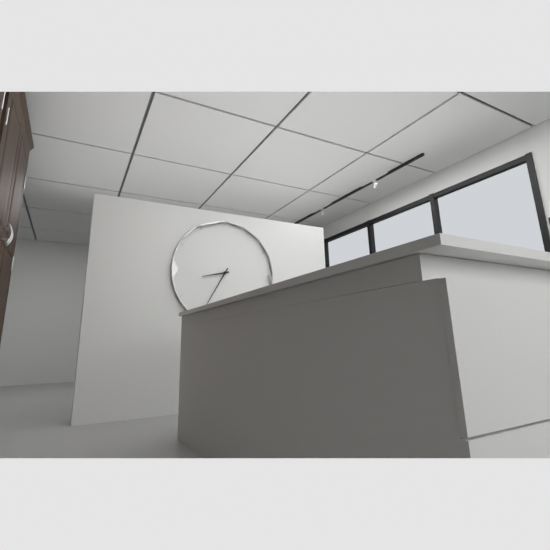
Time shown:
{"hour": 8, "minute": 35}
